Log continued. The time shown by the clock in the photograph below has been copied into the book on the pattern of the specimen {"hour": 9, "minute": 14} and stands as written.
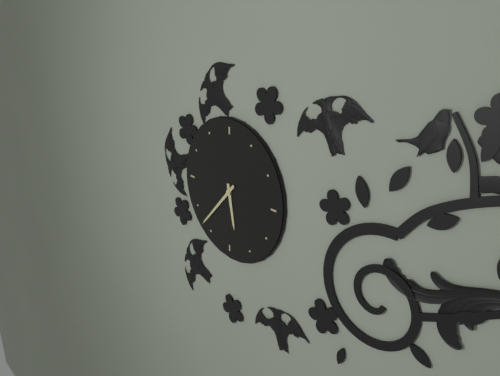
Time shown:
{"hour": 5, "minute": 37}
